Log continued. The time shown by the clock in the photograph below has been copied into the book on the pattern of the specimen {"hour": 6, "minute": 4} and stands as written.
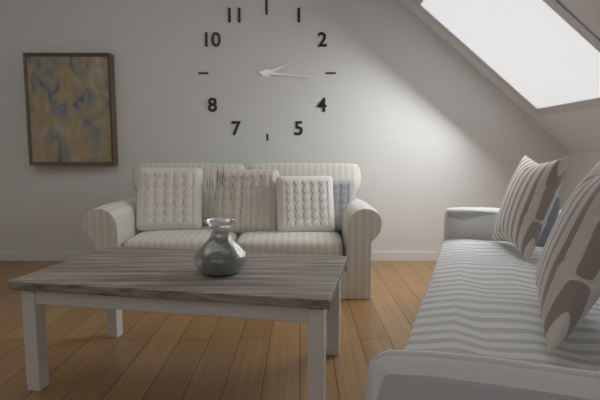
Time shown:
{"hour": 2, "minute": 16}
